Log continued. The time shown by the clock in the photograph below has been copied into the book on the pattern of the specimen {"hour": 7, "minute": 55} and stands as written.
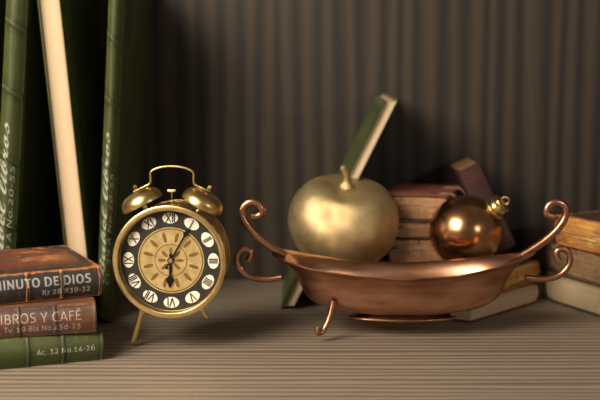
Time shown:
{"hour": 6, "minute": 5}
